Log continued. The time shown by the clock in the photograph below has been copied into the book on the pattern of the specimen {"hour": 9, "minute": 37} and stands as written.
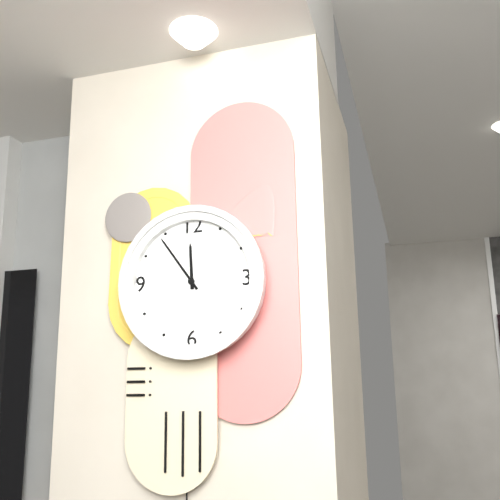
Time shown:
{"hour": 11, "minute": 54}
